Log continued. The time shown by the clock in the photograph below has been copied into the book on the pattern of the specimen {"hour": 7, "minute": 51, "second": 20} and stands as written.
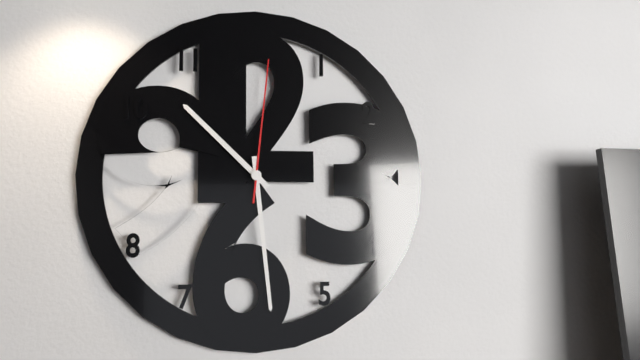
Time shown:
{"hour": 10, "minute": 29, "second": 1}
